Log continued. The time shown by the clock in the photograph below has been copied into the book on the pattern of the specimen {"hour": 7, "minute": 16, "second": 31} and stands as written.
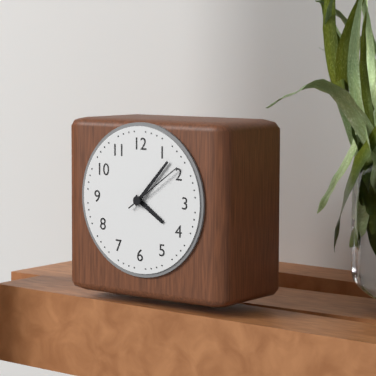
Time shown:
{"hour": 4, "minute": 7, "second": 9}
